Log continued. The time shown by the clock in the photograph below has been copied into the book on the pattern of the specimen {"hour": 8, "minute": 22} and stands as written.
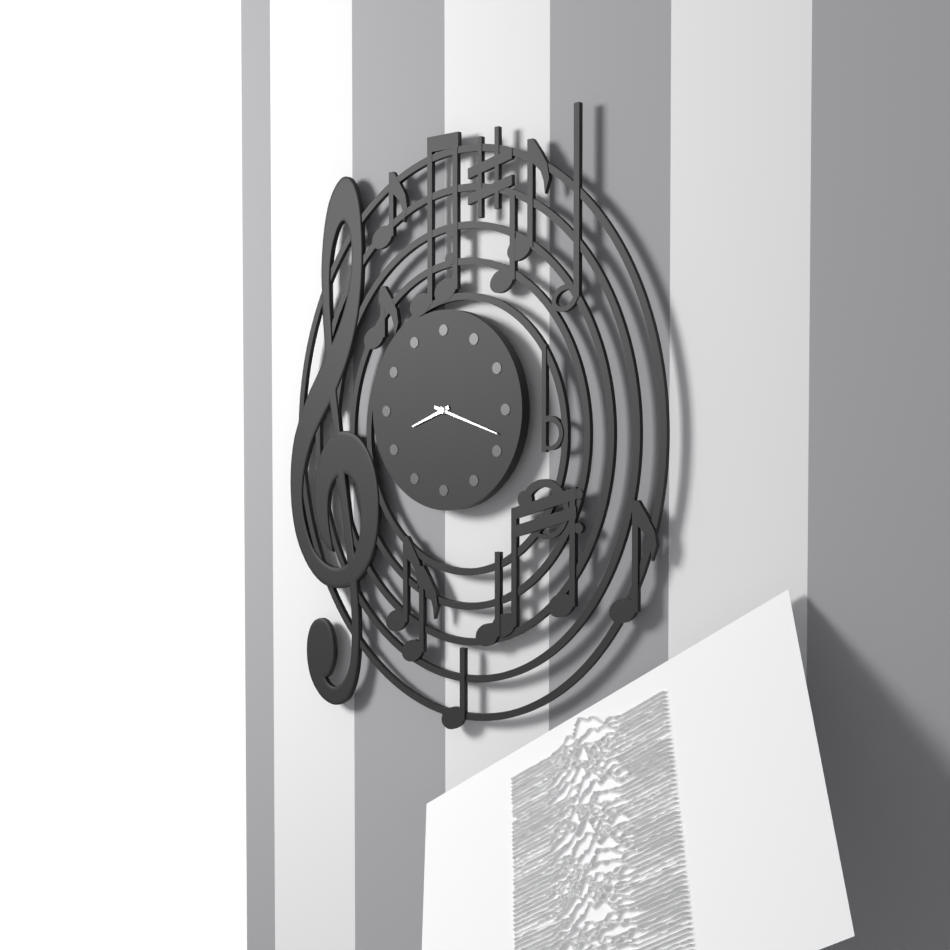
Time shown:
{"hour": 8, "minute": 18}
